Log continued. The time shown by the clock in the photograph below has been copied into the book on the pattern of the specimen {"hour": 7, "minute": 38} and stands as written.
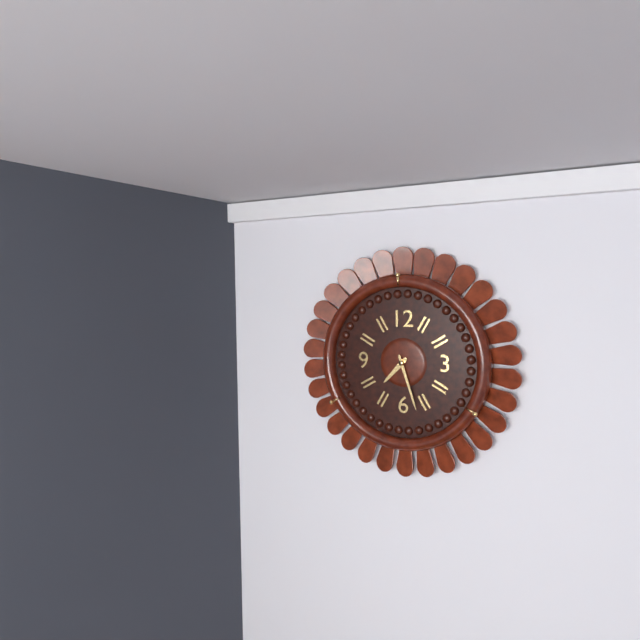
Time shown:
{"hour": 7, "minute": 27}
